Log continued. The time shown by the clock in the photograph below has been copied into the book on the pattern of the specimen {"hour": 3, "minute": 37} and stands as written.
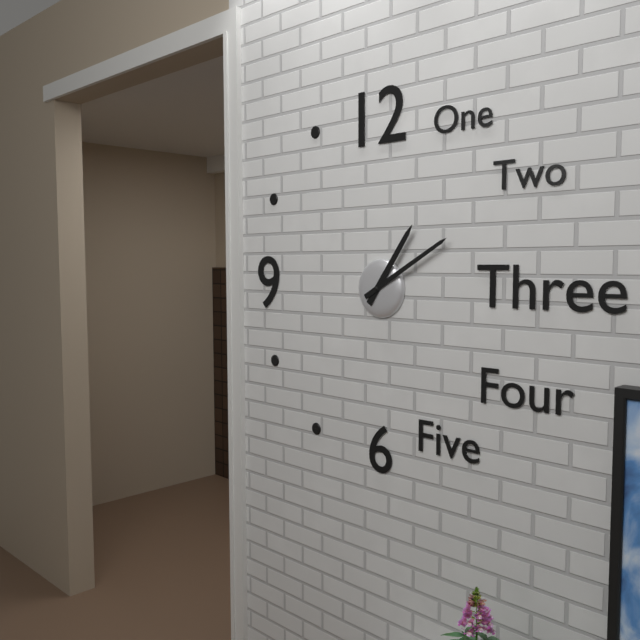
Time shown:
{"hour": 1, "minute": 10}
